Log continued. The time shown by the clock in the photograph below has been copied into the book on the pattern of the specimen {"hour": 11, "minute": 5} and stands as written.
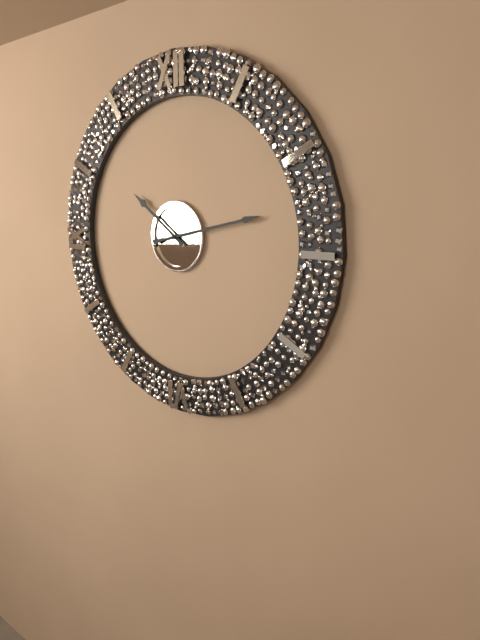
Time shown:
{"hour": 10, "minute": 13}
